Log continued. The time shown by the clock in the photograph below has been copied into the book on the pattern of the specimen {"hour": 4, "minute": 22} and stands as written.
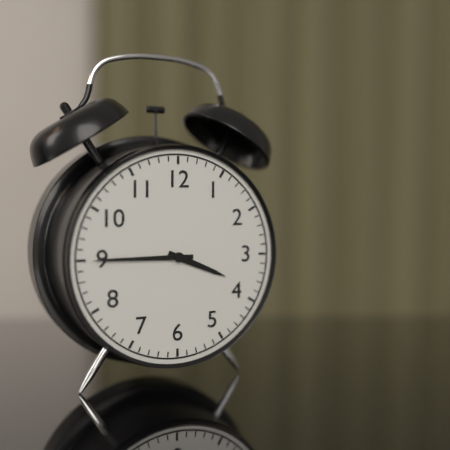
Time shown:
{"hour": 3, "minute": 45}
